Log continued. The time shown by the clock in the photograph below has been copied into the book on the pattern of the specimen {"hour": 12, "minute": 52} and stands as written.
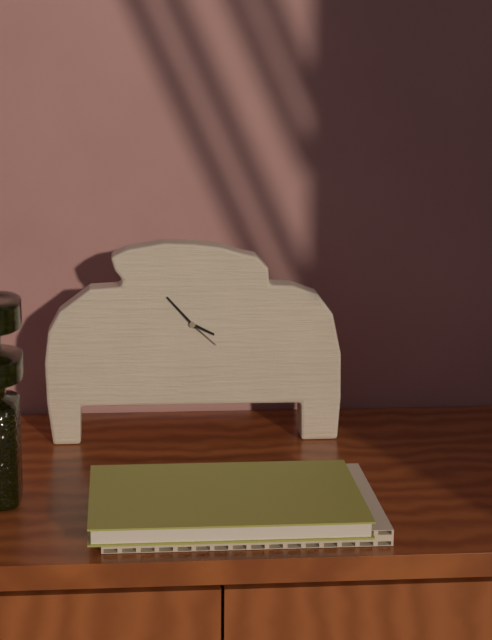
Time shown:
{"hour": 3, "minute": 53}
